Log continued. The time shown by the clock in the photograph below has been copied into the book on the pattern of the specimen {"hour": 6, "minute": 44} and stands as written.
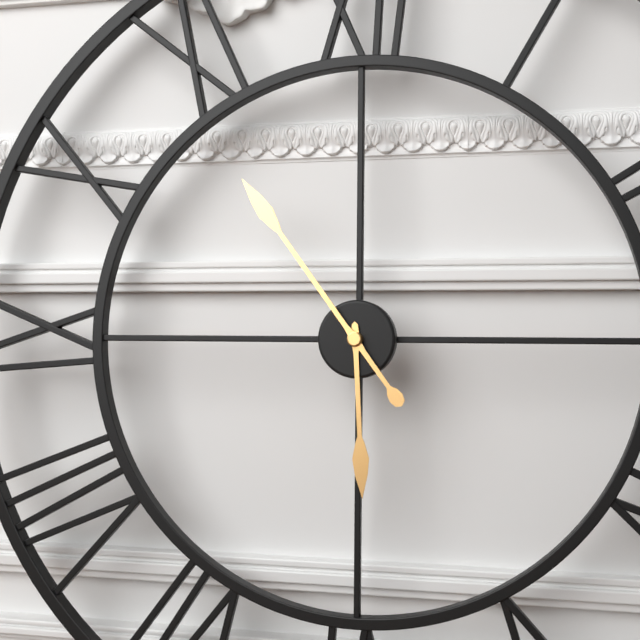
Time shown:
{"hour": 5, "minute": 54}
